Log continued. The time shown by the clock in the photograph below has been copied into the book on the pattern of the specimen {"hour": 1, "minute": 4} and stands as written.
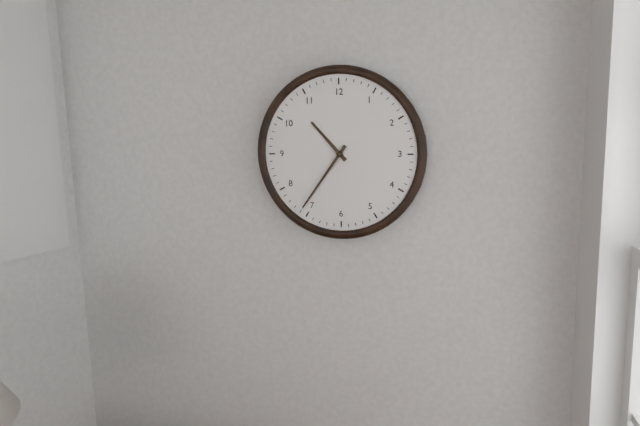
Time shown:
{"hour": 10, "minute": 36}
